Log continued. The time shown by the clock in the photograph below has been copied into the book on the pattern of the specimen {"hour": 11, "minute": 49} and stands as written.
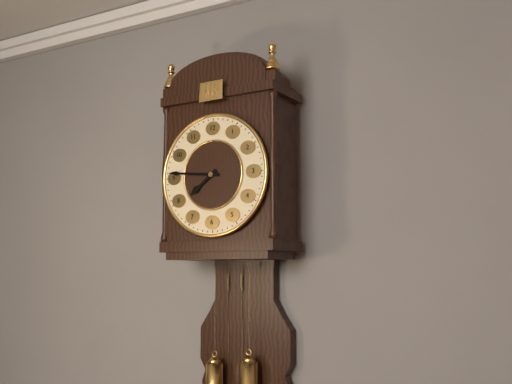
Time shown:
{"hour": 7, "minute": 46}
